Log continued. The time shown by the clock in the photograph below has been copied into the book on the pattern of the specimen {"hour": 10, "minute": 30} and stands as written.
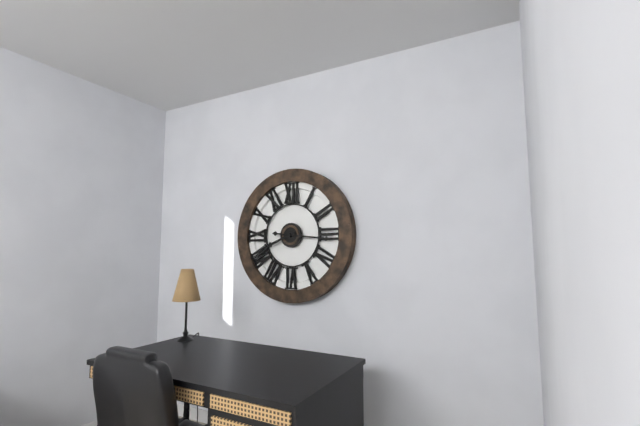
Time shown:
{"hour": 8, "minute": 16}
